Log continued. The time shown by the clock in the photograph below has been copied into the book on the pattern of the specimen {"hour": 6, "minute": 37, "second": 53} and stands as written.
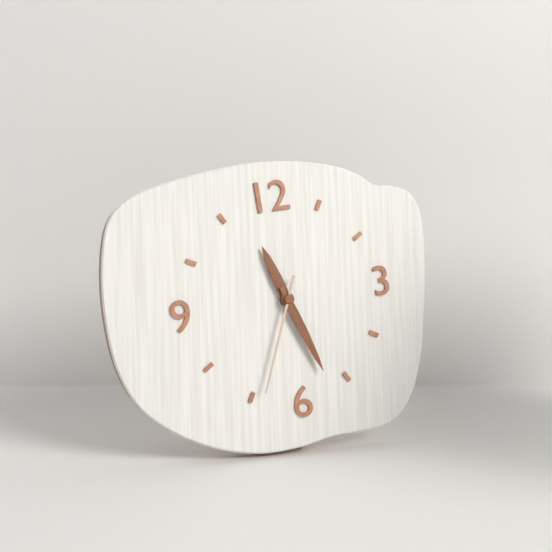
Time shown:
{"hour": 11, "minute": 27, "second": 34}
